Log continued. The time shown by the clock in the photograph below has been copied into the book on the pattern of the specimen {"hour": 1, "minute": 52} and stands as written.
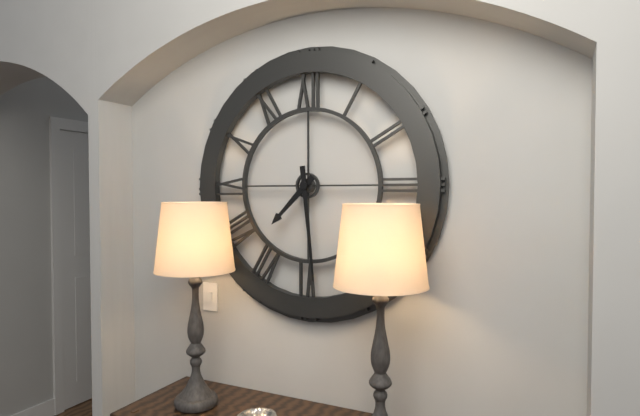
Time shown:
{"hour": 7, "minute": 29}
